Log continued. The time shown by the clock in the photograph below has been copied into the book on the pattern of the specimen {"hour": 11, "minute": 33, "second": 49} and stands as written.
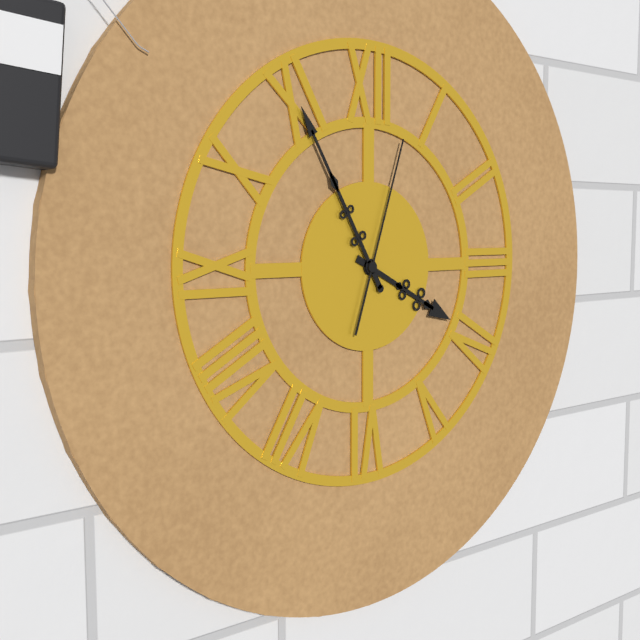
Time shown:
{"hour": 3, "minute": 55, "second": 3}
